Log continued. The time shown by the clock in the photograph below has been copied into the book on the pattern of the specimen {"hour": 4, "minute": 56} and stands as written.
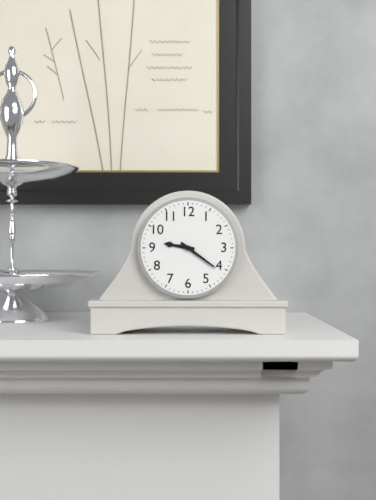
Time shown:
{"hour": 9, "minute": 21}
